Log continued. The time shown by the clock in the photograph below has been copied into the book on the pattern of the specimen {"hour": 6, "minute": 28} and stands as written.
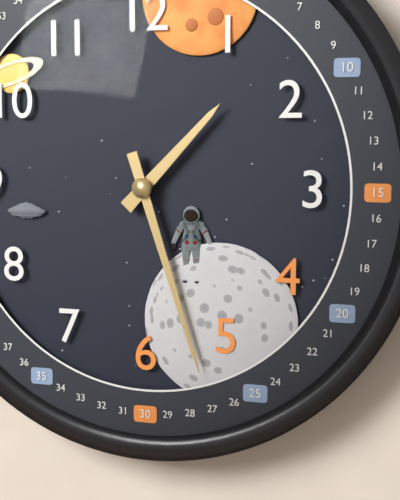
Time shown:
{"hour": 1, "minute": 27}
